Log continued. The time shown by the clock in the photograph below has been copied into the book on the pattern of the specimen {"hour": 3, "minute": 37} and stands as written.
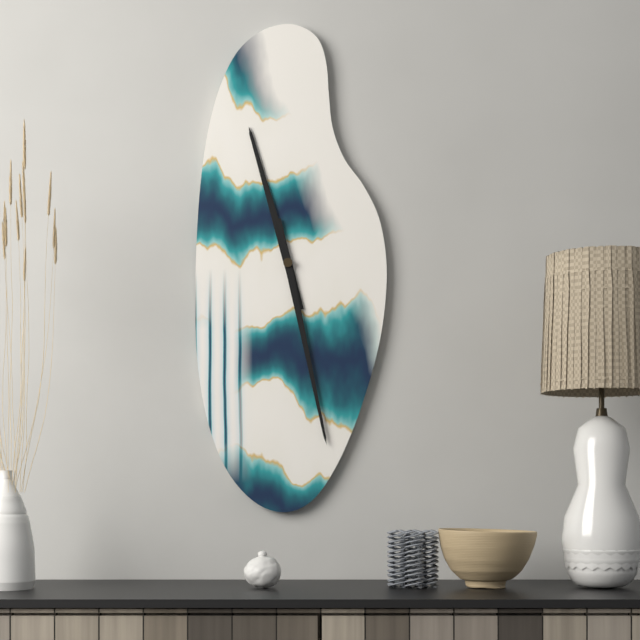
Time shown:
{"hour": 11, "minute": 28}
